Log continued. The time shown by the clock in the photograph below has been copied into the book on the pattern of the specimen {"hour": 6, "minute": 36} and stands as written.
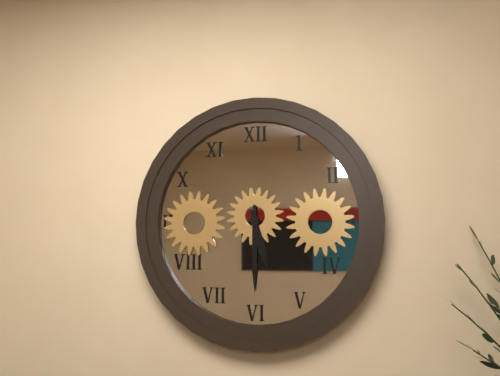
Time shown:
{"hour": 5, "minute": 30}
